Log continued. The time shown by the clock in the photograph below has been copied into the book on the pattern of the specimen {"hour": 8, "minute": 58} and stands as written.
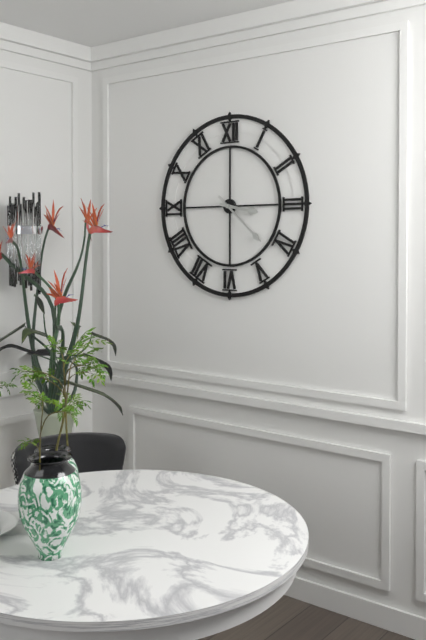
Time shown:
{"hour": 3, "minute": 22}
